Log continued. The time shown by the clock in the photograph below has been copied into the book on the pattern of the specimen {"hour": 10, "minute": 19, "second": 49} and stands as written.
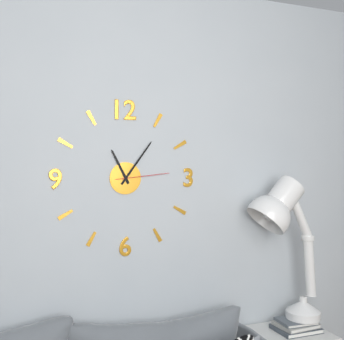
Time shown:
{"hour": 11, "minute": 6, "second": 14}
